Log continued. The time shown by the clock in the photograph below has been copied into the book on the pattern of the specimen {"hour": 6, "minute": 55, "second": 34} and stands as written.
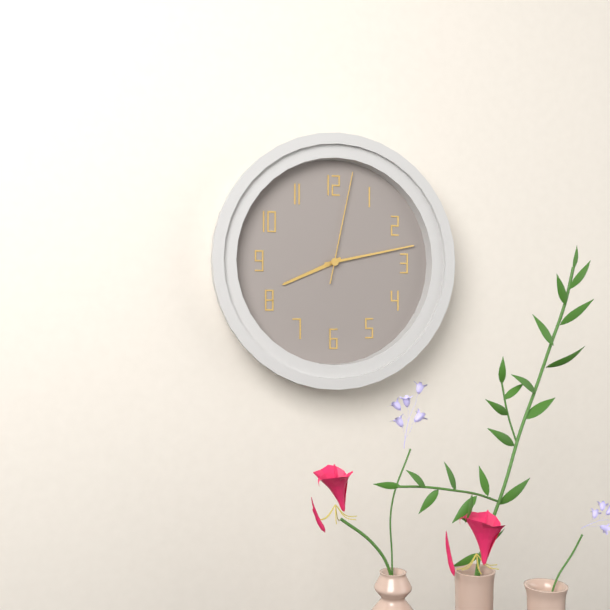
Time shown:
{"hour": 8, "minute": 13, "second": 2}
